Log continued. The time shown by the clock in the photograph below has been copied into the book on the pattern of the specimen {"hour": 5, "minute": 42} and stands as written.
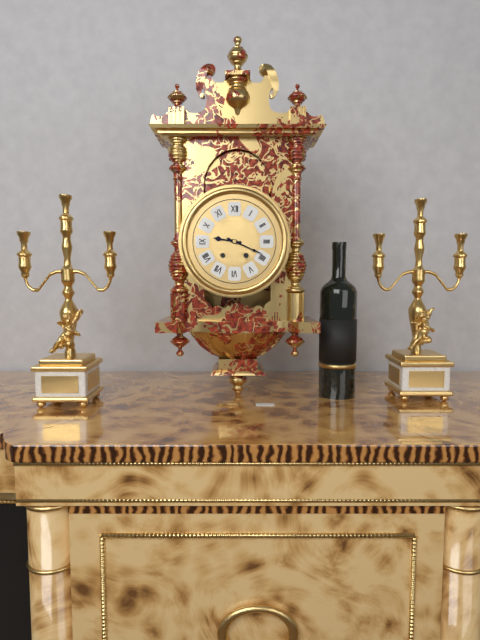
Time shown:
{"hour": 9, "minute": 19}
